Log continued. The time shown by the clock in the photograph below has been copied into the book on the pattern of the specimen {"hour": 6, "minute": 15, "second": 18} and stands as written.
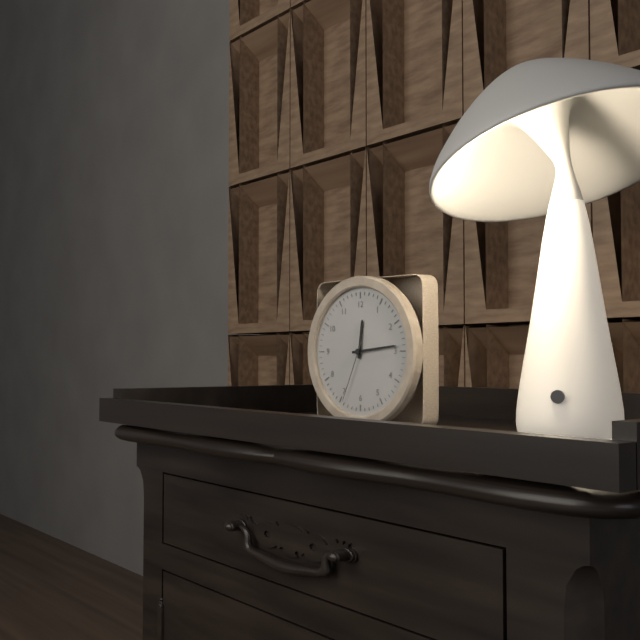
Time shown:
{"hour": 12, "minute": 14, "second": 34}
